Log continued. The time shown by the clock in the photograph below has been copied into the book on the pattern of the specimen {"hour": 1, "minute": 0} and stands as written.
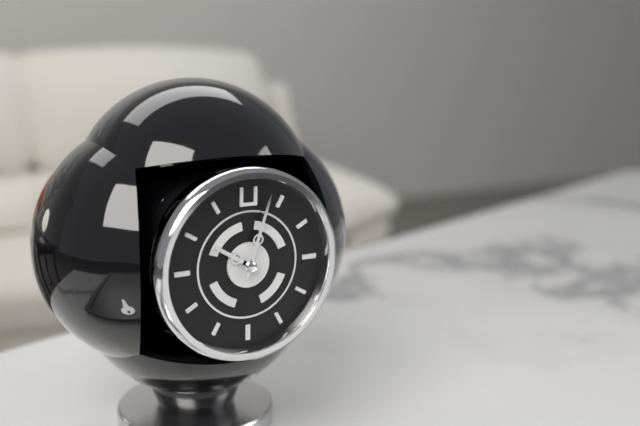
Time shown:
{"hour": 10, "minute": 3}
